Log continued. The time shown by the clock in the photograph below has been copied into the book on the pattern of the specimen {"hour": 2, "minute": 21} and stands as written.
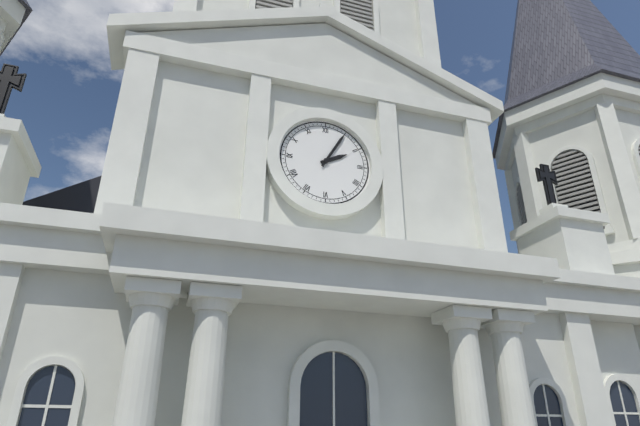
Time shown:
{"hour": 2, "minute": 5}
